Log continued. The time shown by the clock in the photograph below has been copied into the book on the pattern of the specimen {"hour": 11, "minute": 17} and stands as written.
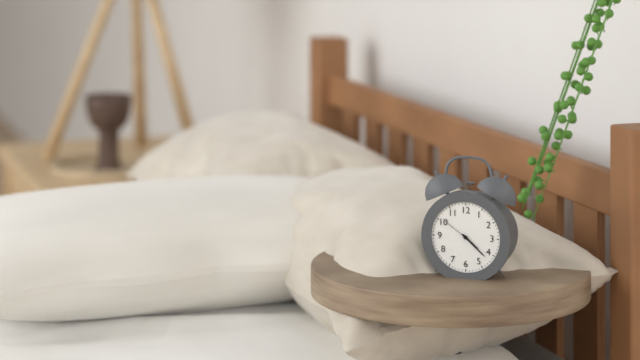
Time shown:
{"hour": 4, "minute": 22}
